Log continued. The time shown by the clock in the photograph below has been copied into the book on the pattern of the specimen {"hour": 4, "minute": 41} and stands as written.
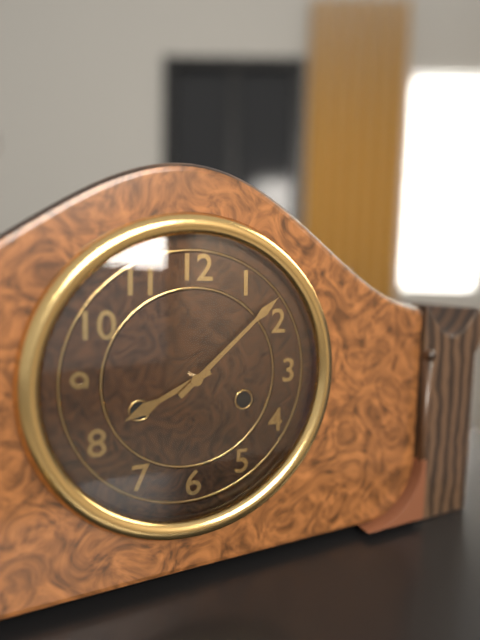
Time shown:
{"hour": 8, "minute": 8}
